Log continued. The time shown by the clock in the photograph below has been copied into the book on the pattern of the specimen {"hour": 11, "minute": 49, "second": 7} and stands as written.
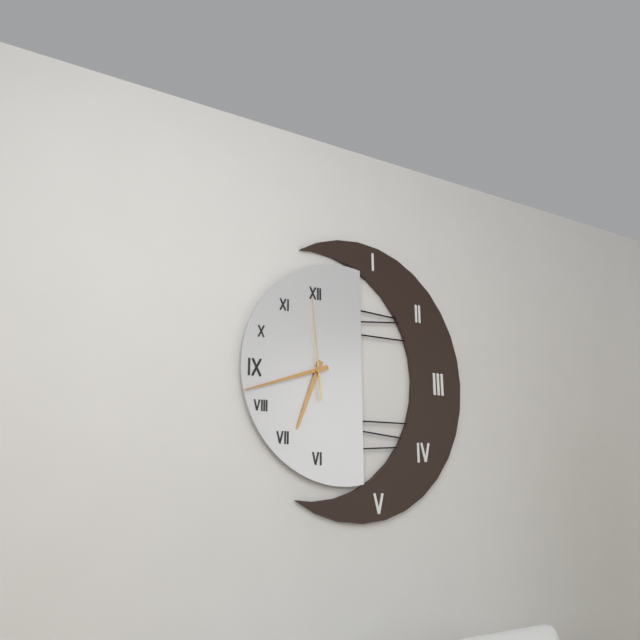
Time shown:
{"hour": 6, "minute": 42, "second": 59}
